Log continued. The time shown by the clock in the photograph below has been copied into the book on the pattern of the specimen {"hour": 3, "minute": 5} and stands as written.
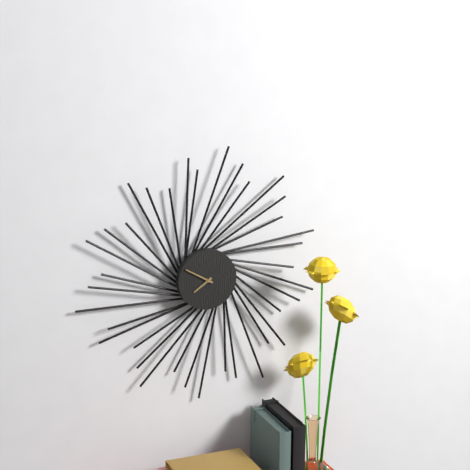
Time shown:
{"hour": 7, "minute": 50}
